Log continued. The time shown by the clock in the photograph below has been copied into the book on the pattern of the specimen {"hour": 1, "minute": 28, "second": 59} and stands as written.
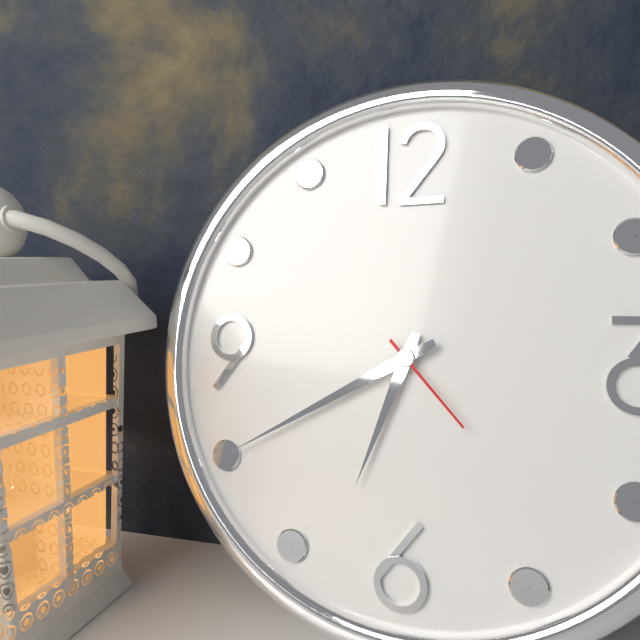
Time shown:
{"hour": 6, "minute": 40, "second": 23}
